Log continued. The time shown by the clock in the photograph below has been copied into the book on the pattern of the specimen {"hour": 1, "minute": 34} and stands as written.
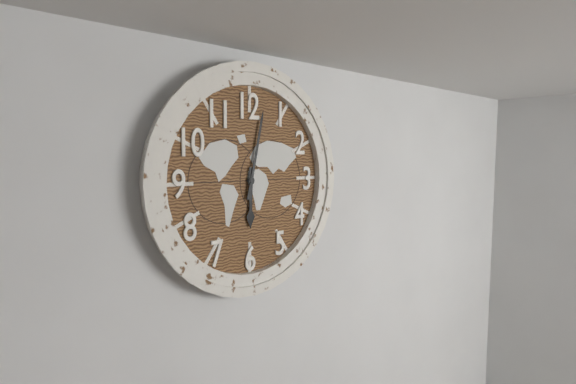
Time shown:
{"hour": 6, "minute": 2}
